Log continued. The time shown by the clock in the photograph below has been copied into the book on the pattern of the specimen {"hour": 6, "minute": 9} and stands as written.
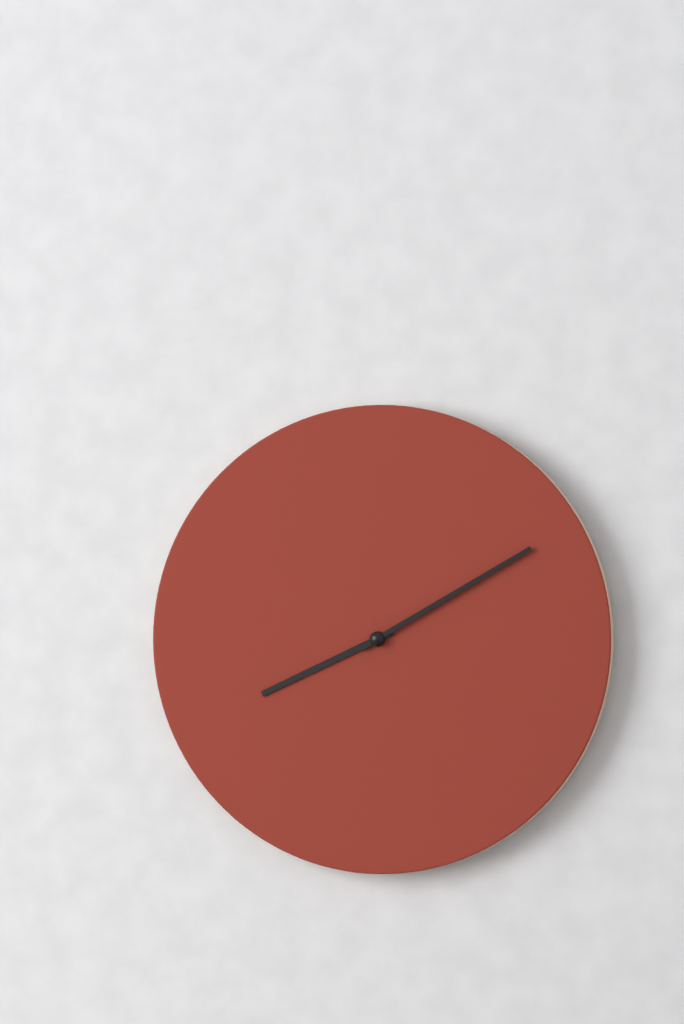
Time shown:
{"hour": 8, "minute": 10}
